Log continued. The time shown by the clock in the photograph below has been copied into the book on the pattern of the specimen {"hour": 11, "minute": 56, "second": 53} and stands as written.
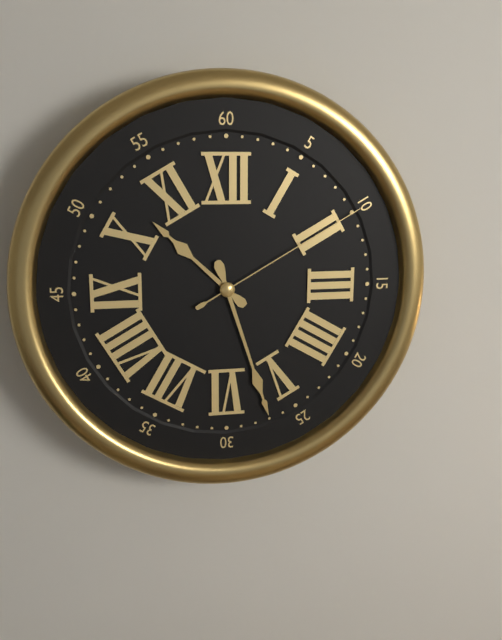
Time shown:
{"hour": 10, "minute": 27, "second": 10}
